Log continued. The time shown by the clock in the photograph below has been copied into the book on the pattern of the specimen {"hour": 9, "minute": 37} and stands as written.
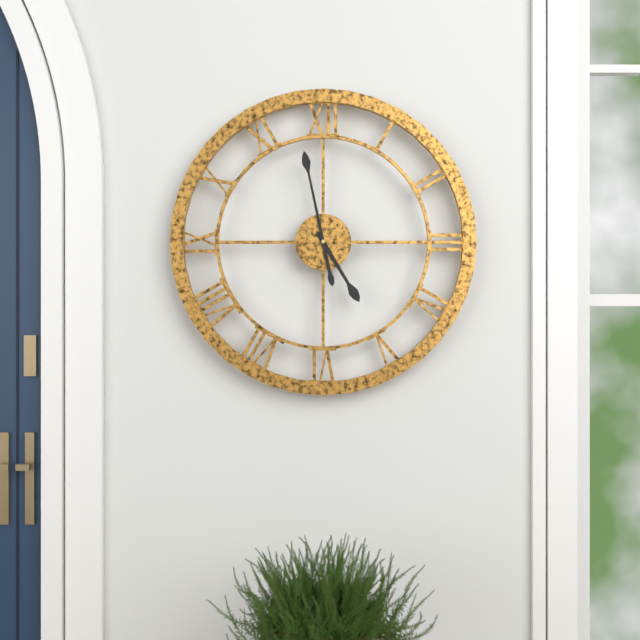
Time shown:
{"hour": 4, "minute": 58}
